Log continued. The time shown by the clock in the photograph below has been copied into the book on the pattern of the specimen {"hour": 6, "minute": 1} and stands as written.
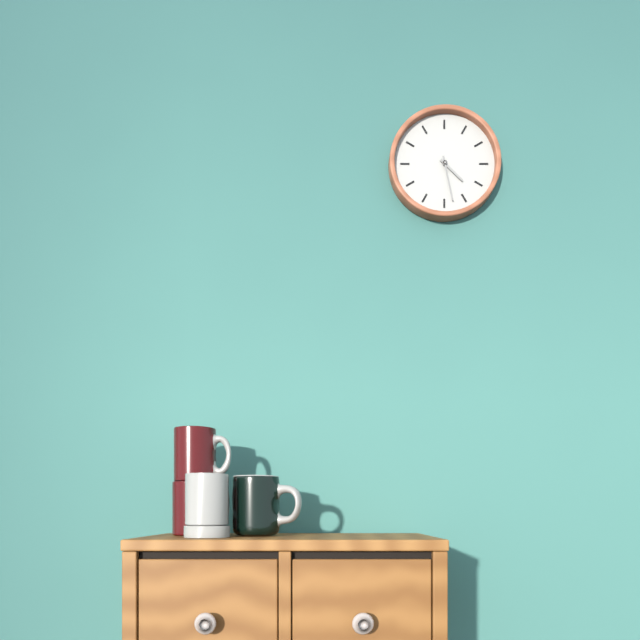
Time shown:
{"hour": 4, "minute": 28}
